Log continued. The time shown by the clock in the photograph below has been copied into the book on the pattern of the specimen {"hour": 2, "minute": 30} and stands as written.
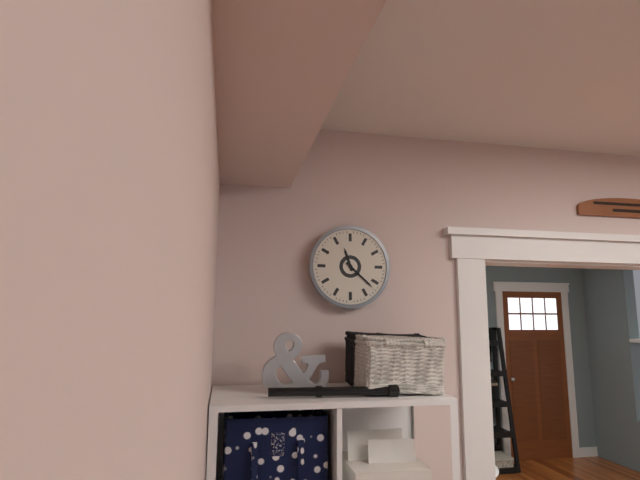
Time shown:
{"hour": 11, "minute": 22}
